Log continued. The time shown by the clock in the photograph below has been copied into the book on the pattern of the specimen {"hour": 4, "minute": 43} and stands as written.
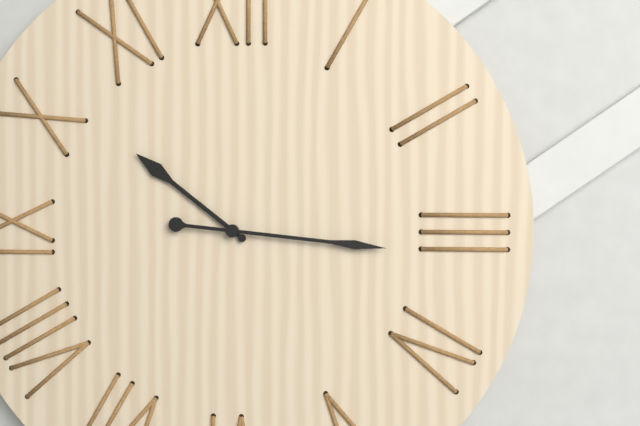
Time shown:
{"hour": 10, "minute": 16}
